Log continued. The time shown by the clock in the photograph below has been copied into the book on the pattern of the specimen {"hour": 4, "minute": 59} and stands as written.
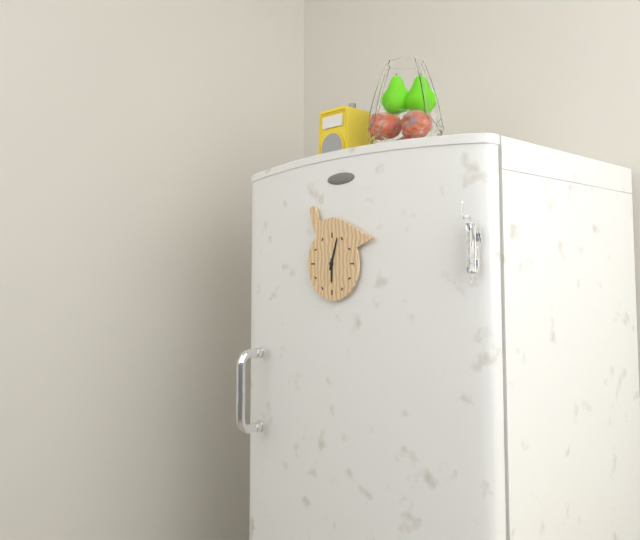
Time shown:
{"hour": 6, "minute": 3}
